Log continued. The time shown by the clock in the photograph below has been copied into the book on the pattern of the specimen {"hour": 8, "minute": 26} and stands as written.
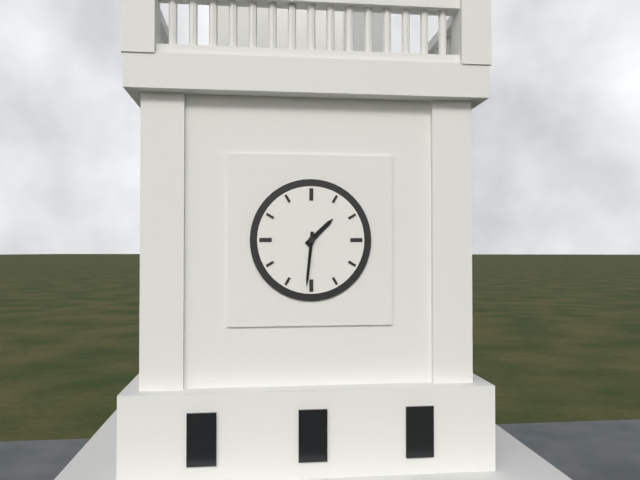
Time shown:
{"hour": 1, "minute": 31}
